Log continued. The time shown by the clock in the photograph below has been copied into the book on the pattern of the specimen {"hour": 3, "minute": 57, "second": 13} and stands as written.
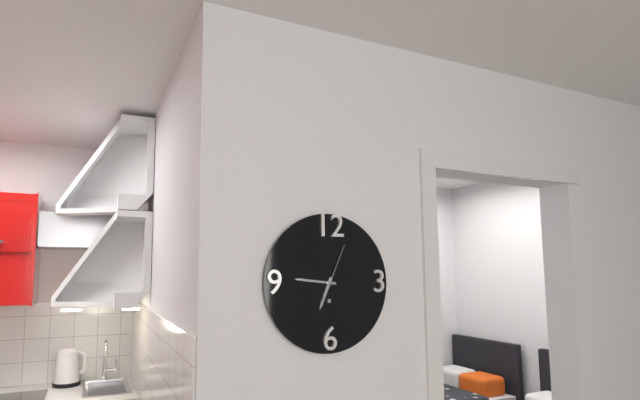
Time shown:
{"hour": 6, "minute": 46, "second": 4}
